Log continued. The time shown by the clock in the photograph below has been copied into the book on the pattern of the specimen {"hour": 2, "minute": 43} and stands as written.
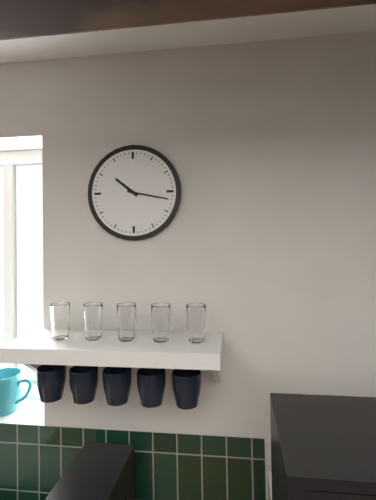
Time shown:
{"hour": 10, "minute": 17}
